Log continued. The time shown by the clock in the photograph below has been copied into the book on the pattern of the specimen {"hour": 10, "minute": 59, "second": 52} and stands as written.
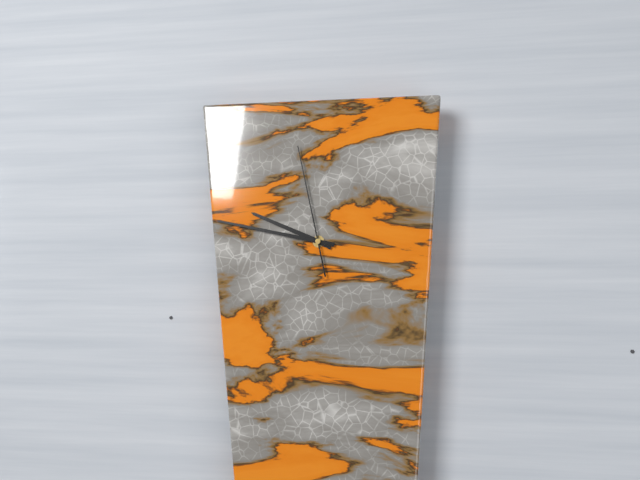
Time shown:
{"hour": 9, "minute": 47, "second": 58}
